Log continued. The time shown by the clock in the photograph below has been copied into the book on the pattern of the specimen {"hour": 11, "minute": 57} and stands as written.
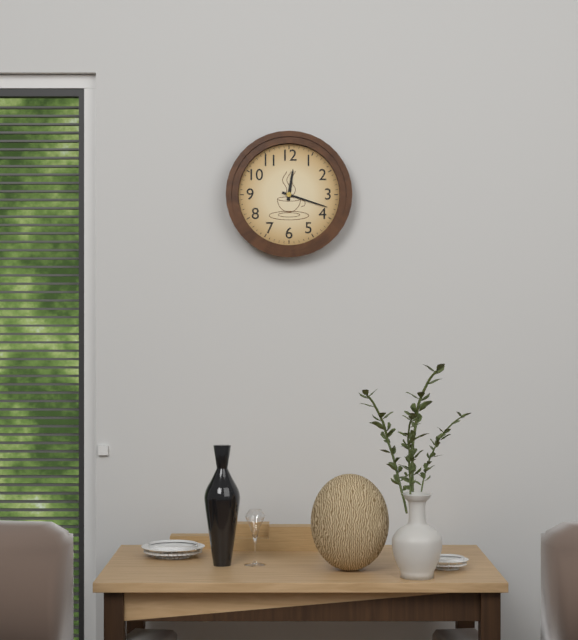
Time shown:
{"hour": 12, "minute": 18}
